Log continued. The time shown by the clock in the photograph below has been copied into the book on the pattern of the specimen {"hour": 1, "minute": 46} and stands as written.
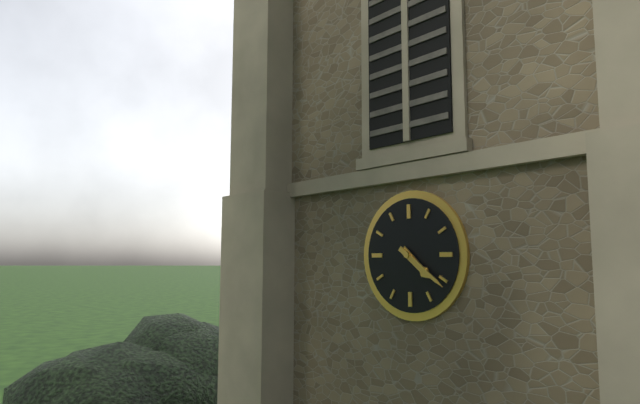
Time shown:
{"hour": 4, "minute": 21}
